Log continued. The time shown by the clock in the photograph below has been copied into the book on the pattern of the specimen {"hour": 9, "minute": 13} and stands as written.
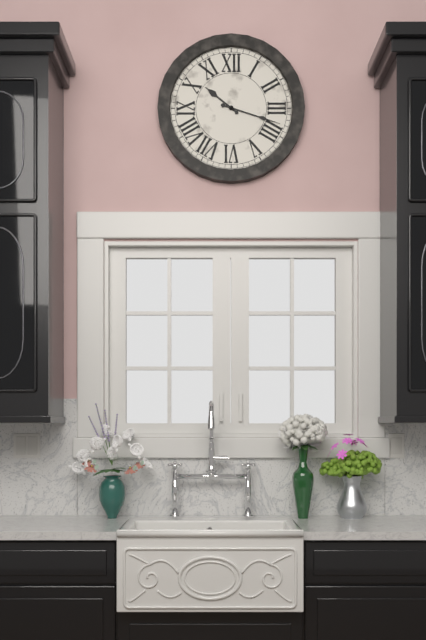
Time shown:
{"hour": 10, "minute": 18}
